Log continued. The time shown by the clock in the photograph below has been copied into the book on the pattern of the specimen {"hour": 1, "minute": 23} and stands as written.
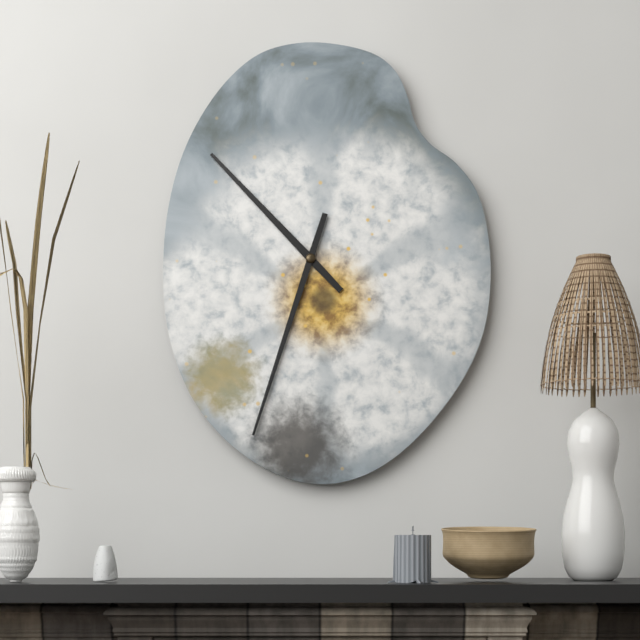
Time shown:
{"hour": 10, "minute": 33}
